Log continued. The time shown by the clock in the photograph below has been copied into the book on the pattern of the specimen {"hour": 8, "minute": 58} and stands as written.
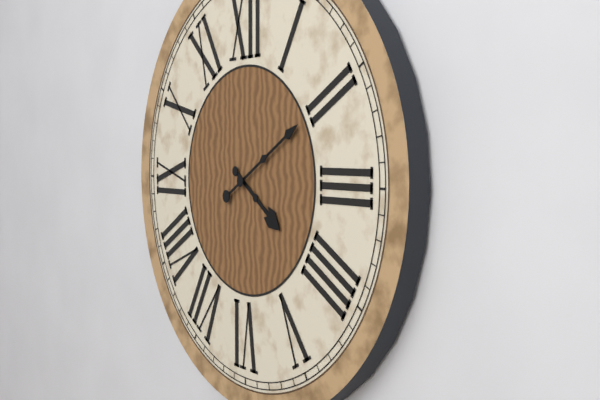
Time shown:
{"hour": 4, "minute": 10}
